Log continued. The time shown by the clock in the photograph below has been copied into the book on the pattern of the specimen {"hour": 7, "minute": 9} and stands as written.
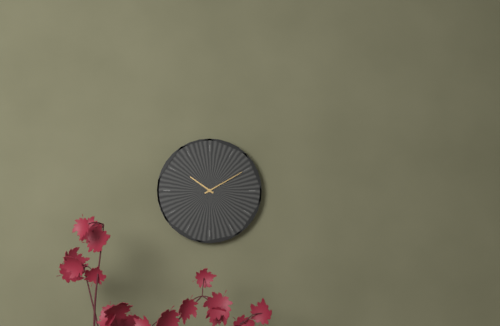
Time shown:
{"hour": 10, "minute": 10}
